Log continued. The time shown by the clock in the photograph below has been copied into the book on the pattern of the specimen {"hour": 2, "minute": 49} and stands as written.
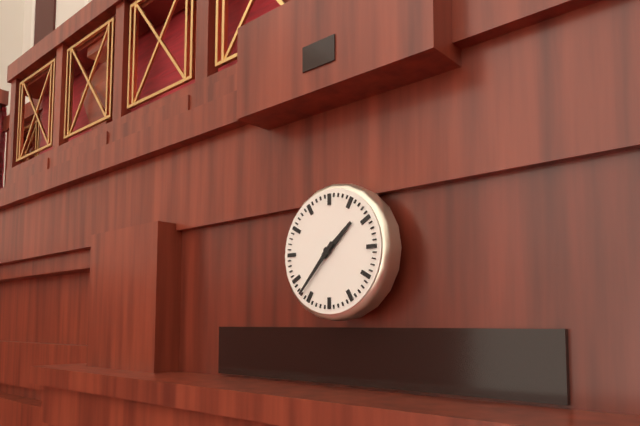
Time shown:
{"hour": 1, "minute": 37}
